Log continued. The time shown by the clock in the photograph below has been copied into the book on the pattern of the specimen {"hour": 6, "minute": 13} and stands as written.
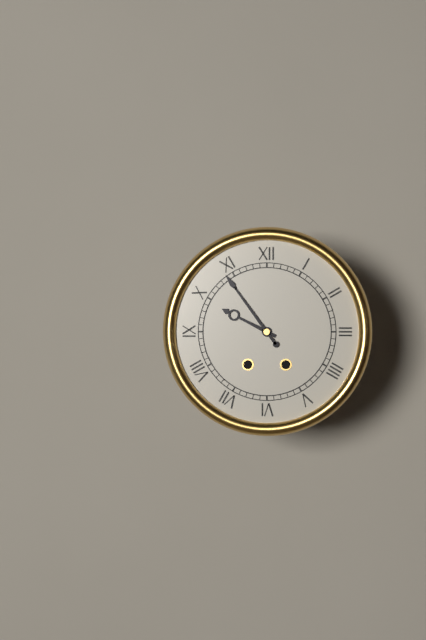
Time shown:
{"hour": 9, "minute": 54}
